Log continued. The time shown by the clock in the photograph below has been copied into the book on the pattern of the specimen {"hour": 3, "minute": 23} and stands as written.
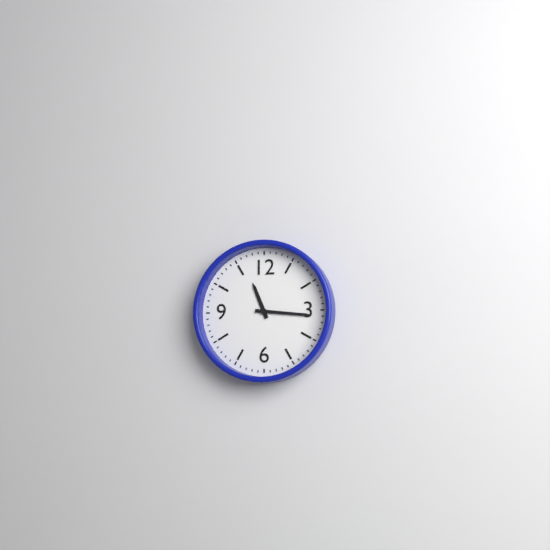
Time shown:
{"hour": 11, "minute": 16}
